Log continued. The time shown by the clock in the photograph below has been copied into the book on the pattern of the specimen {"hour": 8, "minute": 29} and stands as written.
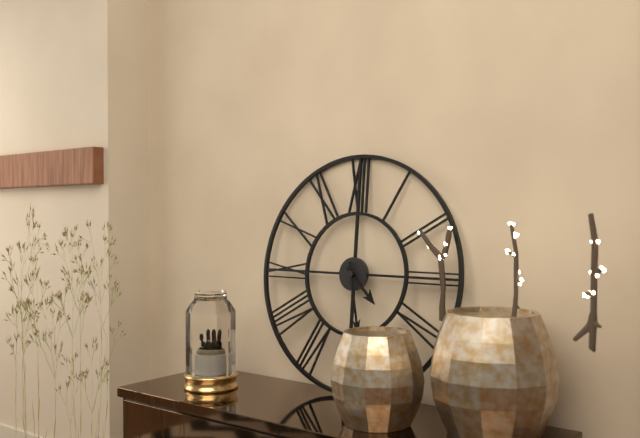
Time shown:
{"hour": 4, "minute": 28}
